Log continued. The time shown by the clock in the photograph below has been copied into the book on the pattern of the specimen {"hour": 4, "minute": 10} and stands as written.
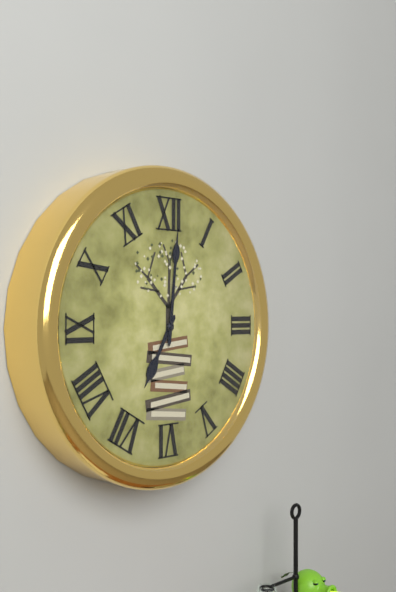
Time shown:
{"hour": 7, "minute": 1}
